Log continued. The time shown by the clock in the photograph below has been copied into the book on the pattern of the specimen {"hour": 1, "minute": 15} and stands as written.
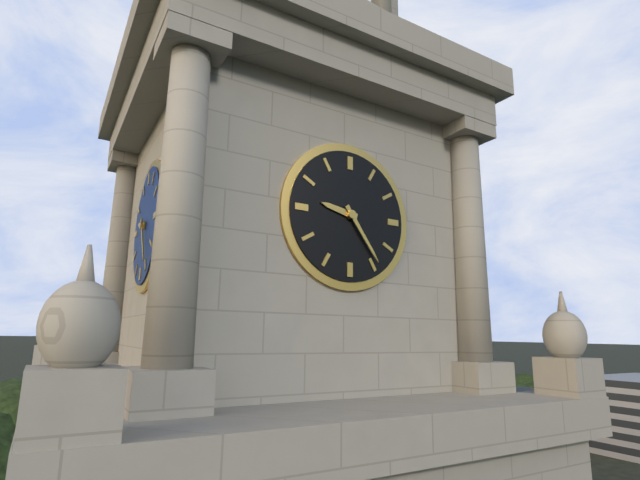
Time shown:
{"hour": 9, "minute": 24}
